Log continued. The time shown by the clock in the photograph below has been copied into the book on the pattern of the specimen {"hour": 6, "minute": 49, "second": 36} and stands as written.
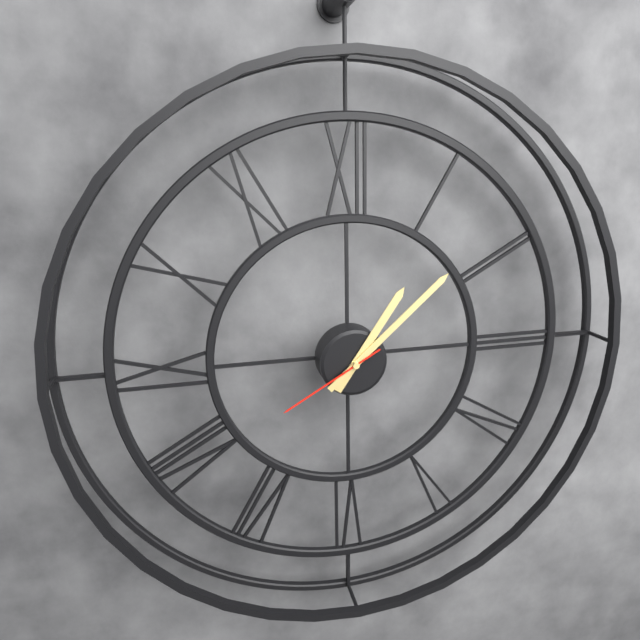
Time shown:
{"hour": 1, "minute": 8, "second": 40}
